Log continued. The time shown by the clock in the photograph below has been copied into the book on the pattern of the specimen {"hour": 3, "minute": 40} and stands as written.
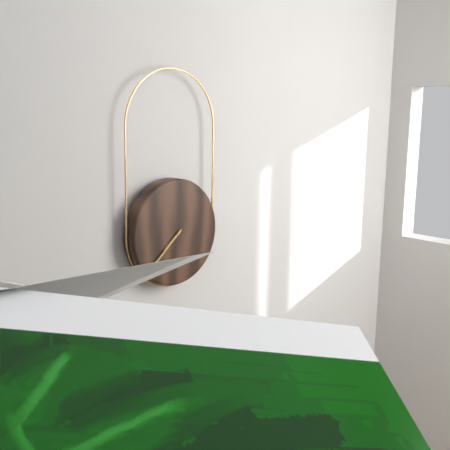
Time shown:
{"hour": 7, "minute": 38}
